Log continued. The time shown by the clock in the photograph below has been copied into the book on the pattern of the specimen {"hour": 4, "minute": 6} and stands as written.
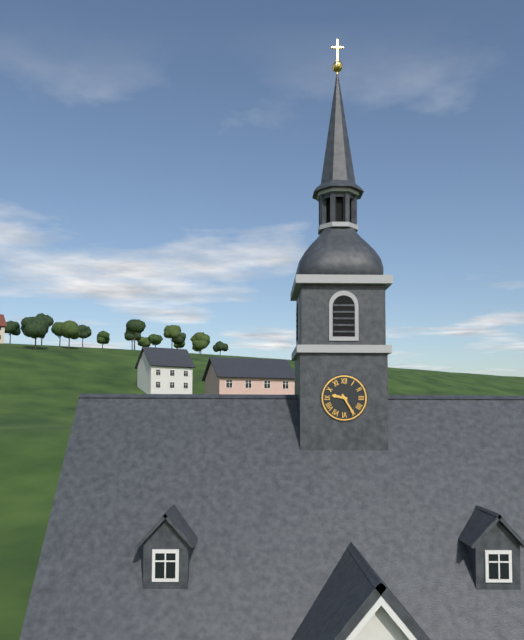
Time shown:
{"hour": 9, "minute": 25}
